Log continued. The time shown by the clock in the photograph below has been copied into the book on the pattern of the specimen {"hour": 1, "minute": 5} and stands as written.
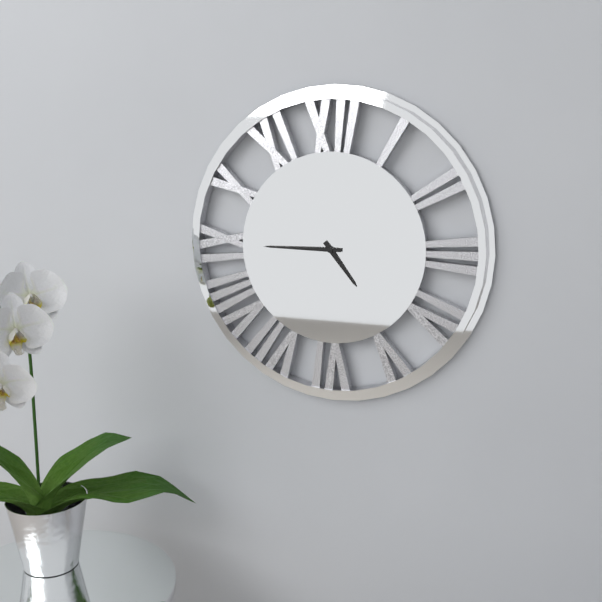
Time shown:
{"hour": 4, "minute": 45}
